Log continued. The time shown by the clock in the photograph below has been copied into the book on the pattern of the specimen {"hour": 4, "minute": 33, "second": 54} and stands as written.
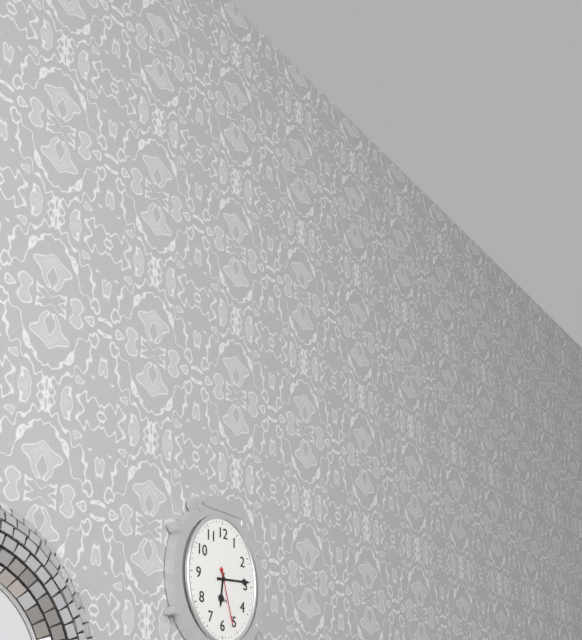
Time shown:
{"hour": 6, "minute": 14, "second": 27}
